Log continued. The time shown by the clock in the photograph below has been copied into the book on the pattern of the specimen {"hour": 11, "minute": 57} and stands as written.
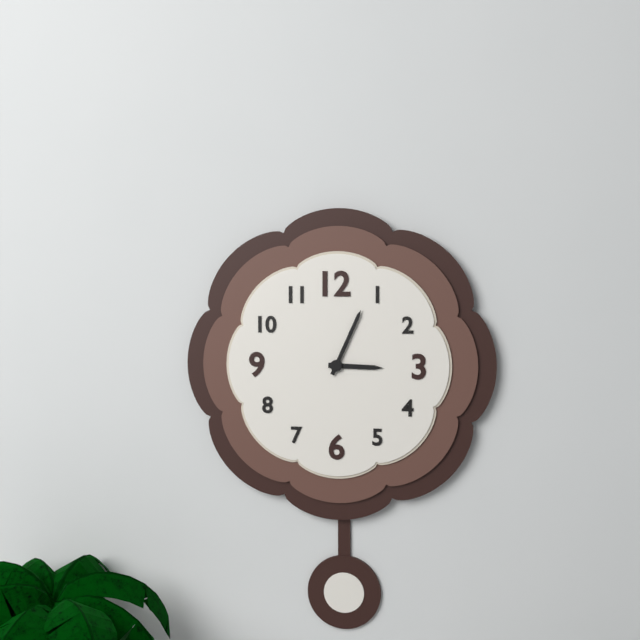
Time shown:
{"hour": 3, "minute": 4}
